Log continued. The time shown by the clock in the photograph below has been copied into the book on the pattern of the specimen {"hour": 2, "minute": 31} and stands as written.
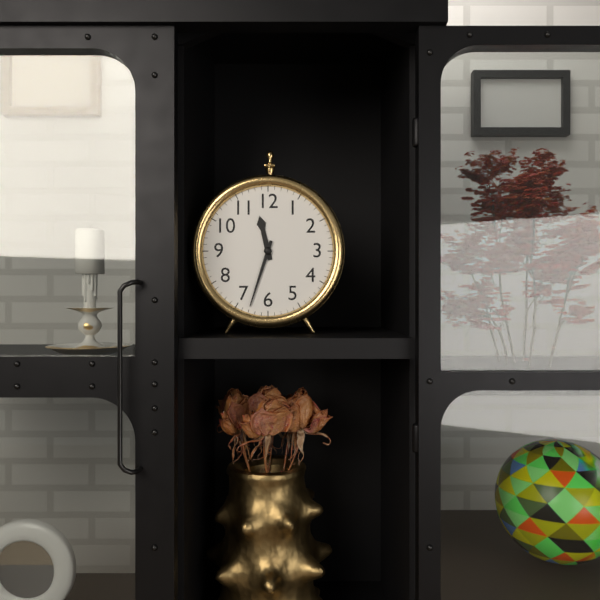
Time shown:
{"hour": 11, "minute": 33}
